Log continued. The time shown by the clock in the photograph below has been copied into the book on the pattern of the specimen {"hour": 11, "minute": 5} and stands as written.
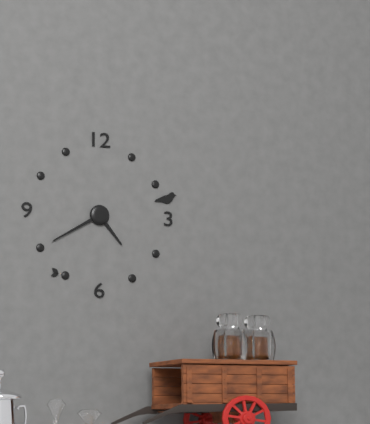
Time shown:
{"hour": 4, "minute": 40}
